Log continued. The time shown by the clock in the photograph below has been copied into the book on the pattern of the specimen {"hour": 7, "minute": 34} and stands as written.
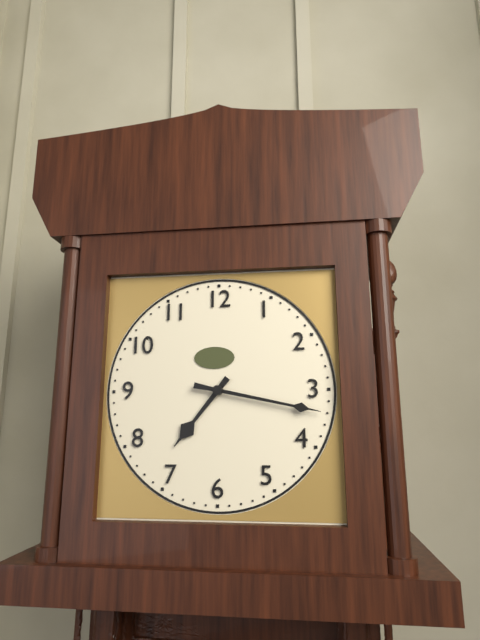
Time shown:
{"hour": 7, "minute": 17}
